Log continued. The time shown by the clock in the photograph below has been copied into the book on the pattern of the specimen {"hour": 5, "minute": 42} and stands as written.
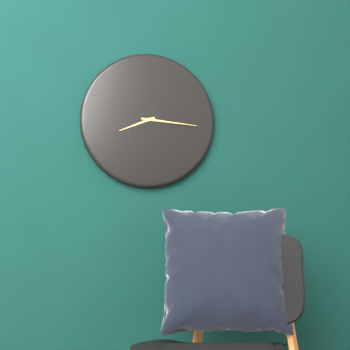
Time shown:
{"hour": 8, "minute": 16}
